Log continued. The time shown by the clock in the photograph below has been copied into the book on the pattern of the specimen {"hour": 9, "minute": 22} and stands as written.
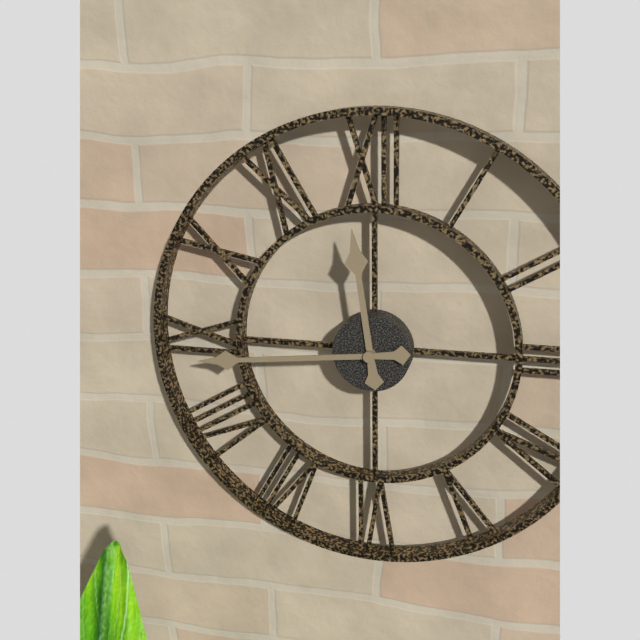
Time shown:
{"hour": 11, "minute": 44}
